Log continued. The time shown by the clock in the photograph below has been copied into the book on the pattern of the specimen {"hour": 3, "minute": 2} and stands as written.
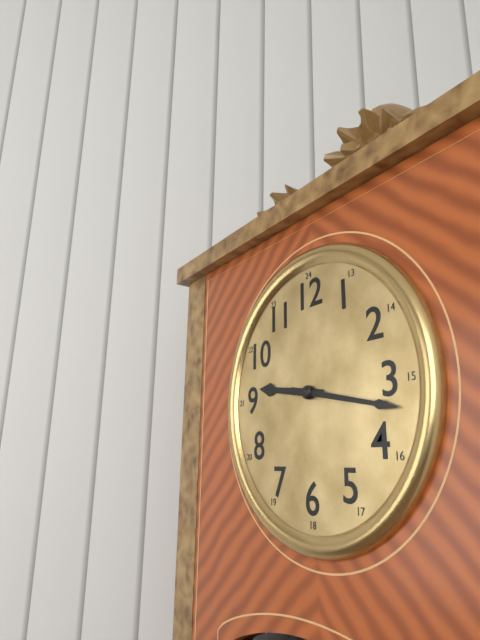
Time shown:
{"hour": 9, "minute": 17}
